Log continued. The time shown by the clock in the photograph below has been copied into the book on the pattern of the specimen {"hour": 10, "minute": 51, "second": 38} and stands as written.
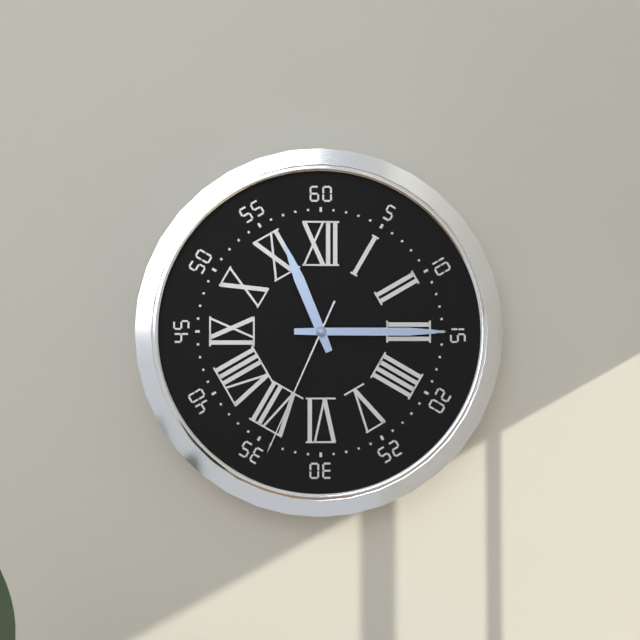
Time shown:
{"hour": 11, "minute": 15, "second": 34}
